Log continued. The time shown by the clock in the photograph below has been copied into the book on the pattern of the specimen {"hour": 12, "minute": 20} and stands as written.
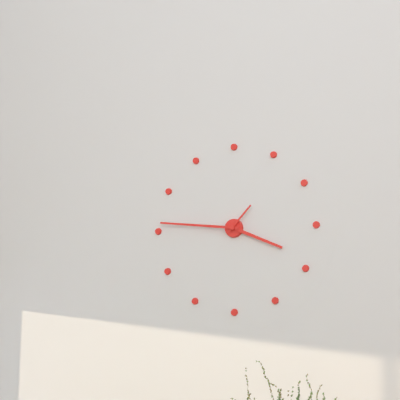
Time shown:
{"hour": 3, "minute": 46}
